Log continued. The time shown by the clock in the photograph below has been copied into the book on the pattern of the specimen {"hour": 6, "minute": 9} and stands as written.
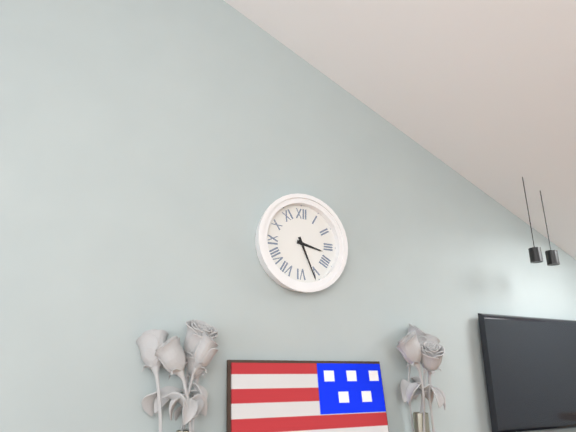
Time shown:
{"hour": 3, "minute": 26}
